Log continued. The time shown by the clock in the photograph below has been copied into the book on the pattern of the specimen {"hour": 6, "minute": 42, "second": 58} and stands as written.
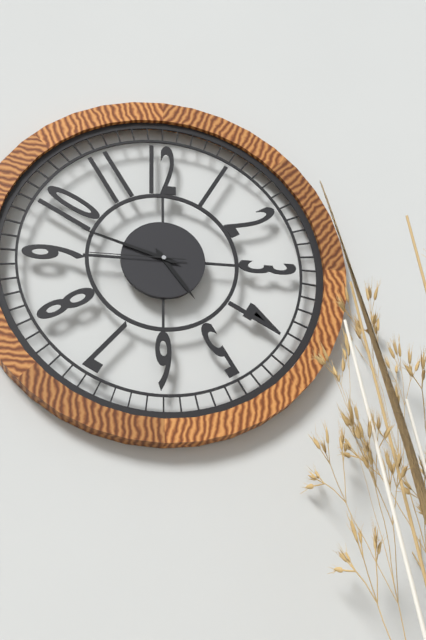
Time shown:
{"hour": 4, "minute": 48, "second": 45}
